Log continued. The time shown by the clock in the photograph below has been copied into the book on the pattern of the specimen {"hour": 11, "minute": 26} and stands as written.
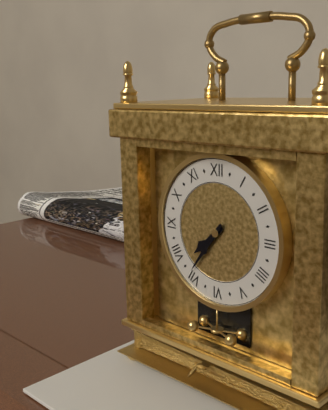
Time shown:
{"hour": 7, "minute": 36}
